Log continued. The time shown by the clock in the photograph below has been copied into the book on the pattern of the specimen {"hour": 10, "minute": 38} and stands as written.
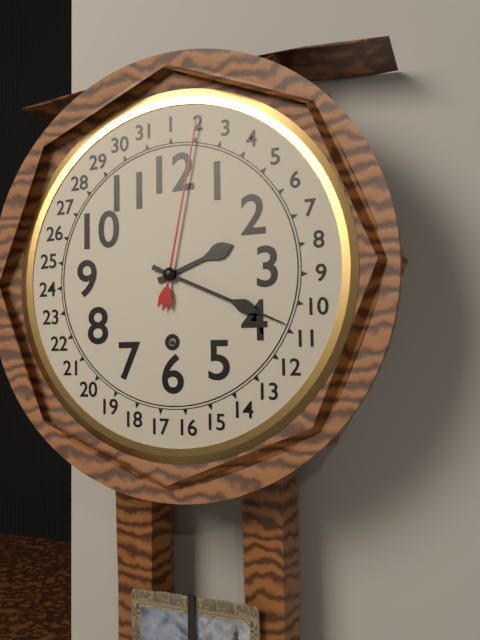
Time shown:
{"hour": 2, "minute": 19}
